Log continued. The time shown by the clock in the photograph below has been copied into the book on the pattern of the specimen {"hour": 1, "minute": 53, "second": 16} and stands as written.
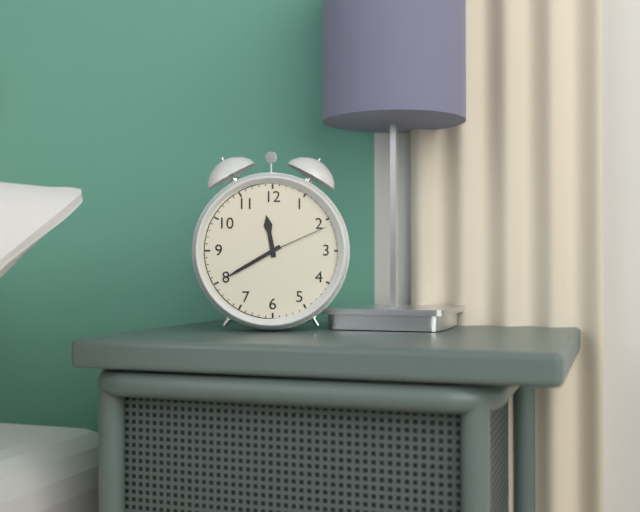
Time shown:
{"hour": 11, "minute": 40, "second": 11}
